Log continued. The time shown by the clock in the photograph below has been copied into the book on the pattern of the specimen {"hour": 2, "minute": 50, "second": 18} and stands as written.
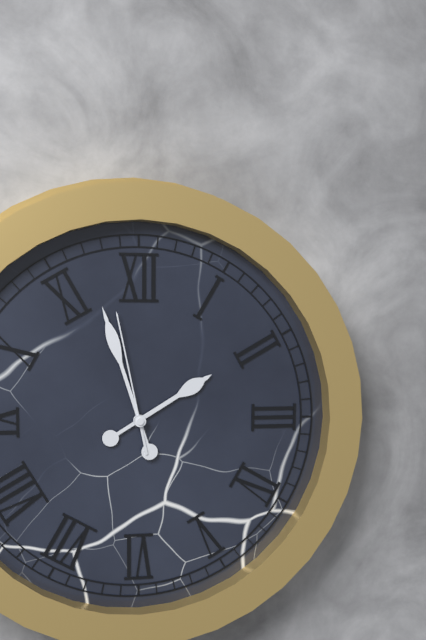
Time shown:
{"hour": 1, "minute": 57, "second": 58}
